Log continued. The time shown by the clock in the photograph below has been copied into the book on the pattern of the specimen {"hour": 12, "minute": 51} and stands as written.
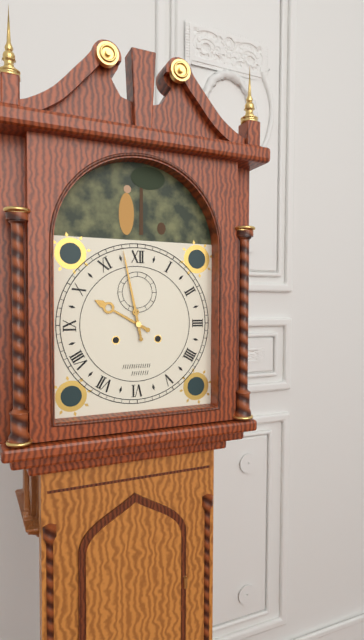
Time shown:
{"hour": 9, "minute": 58}
